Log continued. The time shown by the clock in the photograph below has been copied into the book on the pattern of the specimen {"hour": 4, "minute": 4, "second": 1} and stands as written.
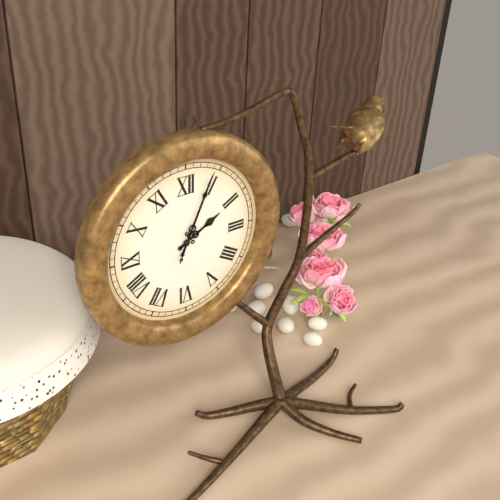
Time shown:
{"hour": 2, "minute": 4, "second": 4}
